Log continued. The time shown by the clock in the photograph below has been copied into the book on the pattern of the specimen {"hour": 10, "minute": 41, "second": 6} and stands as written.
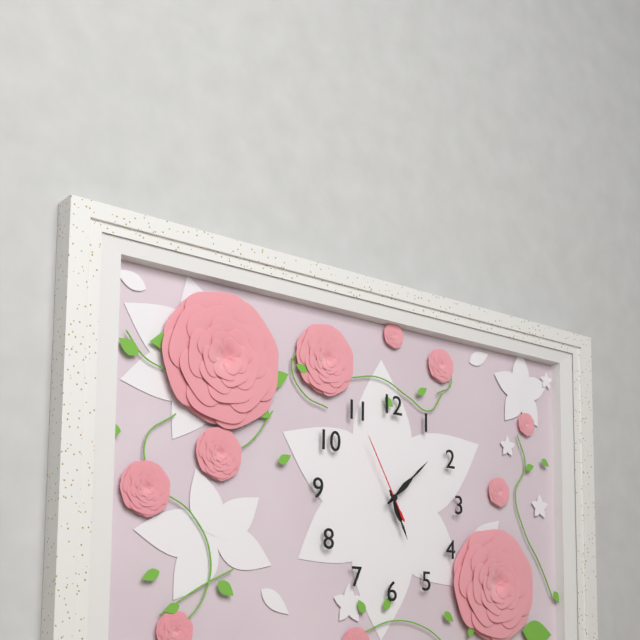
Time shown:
{"hour": 5, "minute": 8, "second": 55}
